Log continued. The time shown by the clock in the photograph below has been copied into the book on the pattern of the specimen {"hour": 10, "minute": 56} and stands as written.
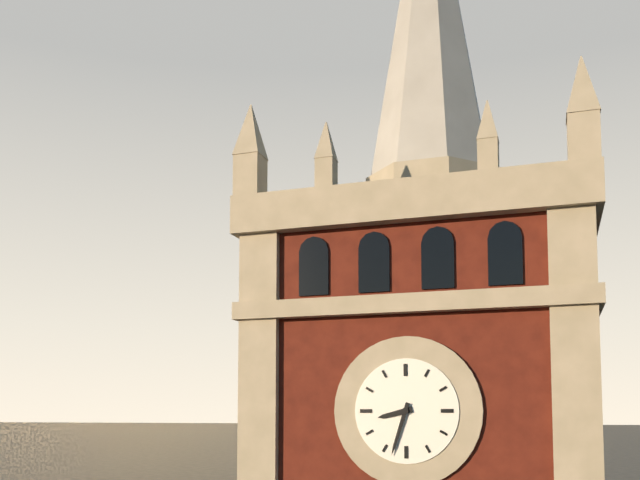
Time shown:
{"hour": 8, "minute": 33}
